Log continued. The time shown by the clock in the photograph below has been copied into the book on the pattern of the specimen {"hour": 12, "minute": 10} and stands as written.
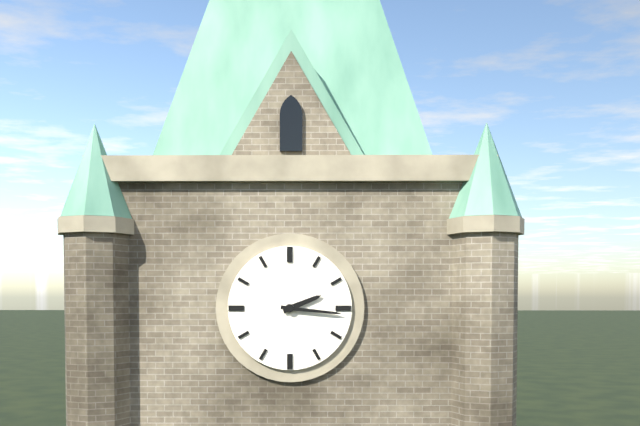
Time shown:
{"hour": 2, "minute": 16}
